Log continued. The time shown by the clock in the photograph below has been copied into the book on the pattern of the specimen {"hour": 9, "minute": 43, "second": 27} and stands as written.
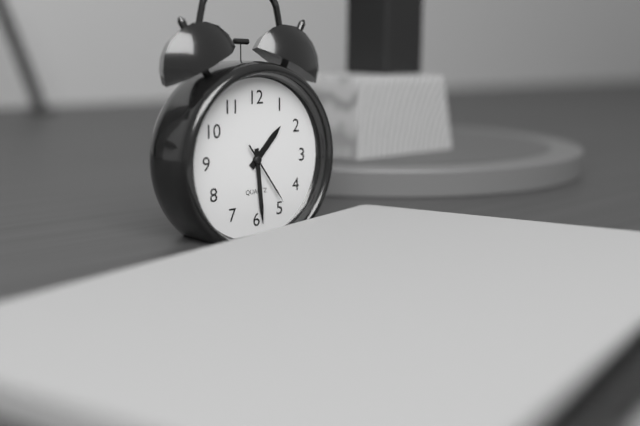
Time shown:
{"hour": 1, "minute": 29, "second": 24}
